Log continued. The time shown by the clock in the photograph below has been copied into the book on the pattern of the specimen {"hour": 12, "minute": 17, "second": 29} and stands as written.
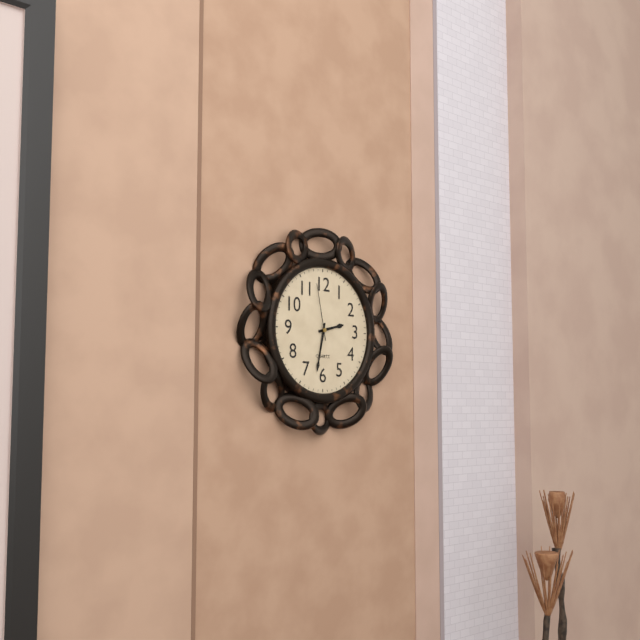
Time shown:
{"hour": 2, "minute": 32, "second": 58}
